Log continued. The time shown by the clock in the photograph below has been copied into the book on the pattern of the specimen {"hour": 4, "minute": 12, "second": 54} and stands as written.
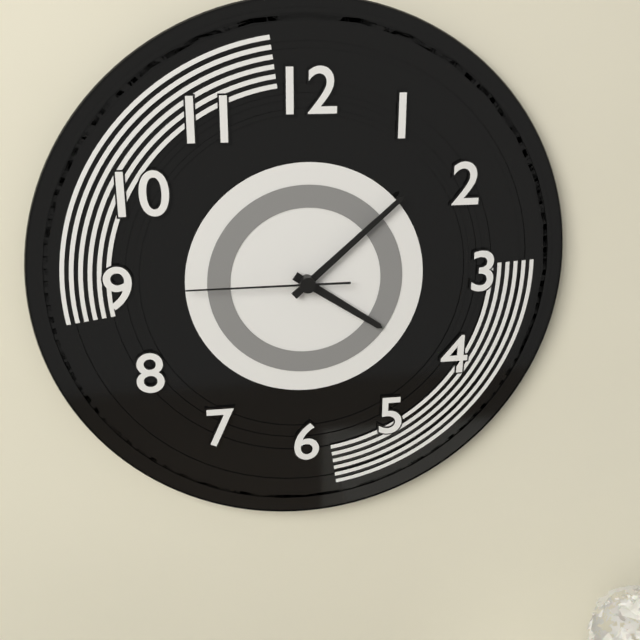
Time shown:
{"hour": 4, "minute": 8, "second": 45}
